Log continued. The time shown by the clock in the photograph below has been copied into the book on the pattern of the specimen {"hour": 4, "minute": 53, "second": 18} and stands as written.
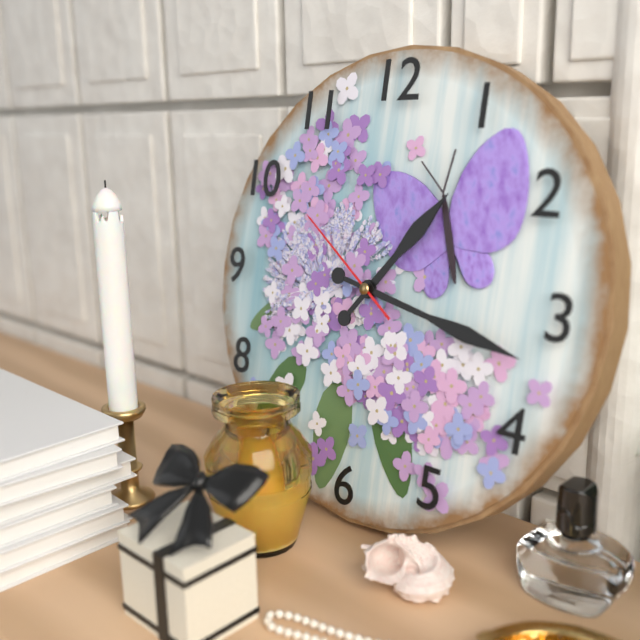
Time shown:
{"hour": 1, "minute": 17, "second": 51}
